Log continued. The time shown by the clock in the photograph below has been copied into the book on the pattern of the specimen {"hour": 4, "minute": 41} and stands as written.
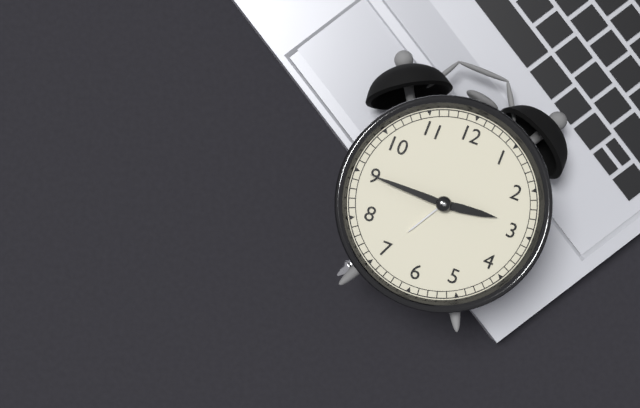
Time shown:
{"hour": 2, "minute": 45}
